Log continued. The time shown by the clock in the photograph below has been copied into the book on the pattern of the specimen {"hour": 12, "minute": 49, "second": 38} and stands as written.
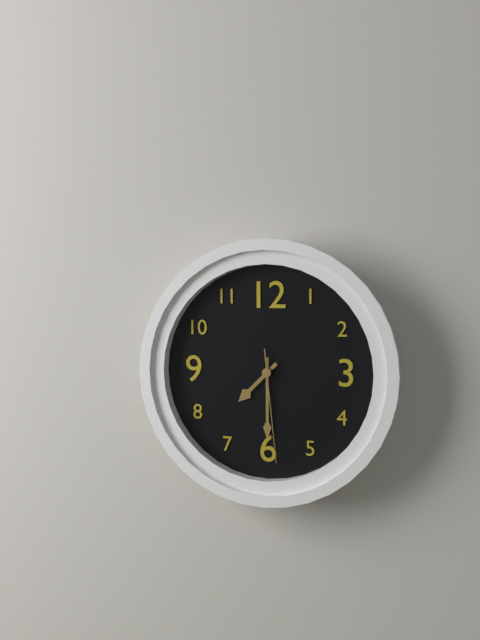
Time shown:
{"hour": 7, "minute": 30, "second": 29}
